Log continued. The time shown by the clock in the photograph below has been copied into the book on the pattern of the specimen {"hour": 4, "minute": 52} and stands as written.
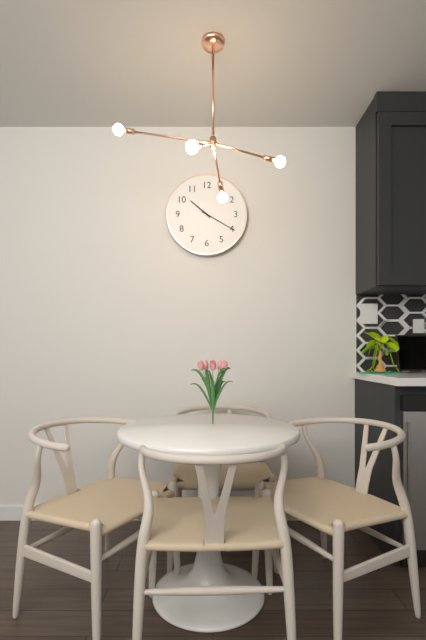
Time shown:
{"hour": 10, "minute": 20}
